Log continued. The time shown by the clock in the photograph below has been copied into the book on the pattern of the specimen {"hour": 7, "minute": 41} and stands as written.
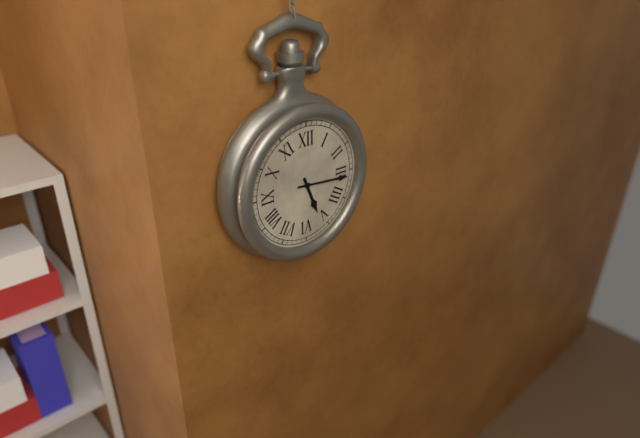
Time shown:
{"hour": 5, "minute": 16}
